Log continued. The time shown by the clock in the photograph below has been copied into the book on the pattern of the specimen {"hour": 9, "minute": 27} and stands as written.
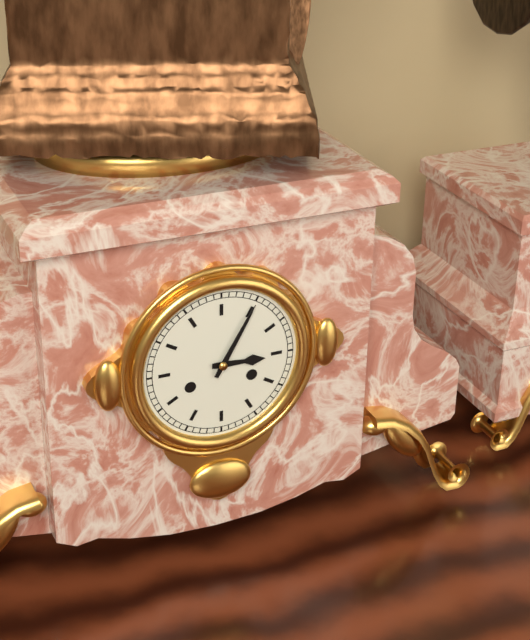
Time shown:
{"hour": 3, "minute": 5}
